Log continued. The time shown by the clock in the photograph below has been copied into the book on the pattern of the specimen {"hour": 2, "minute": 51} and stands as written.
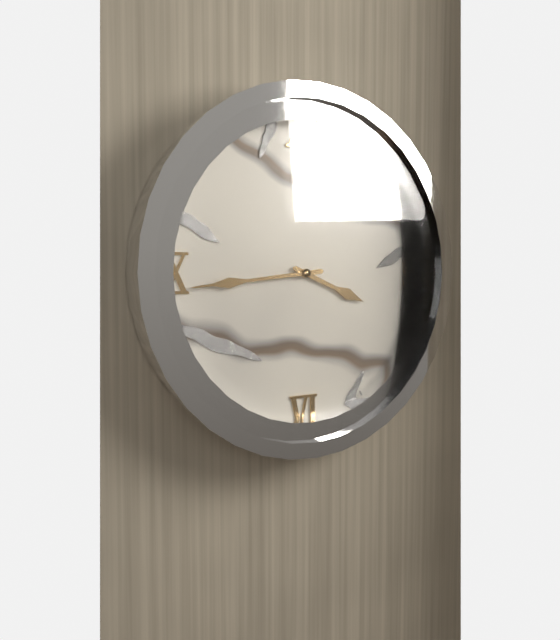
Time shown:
{"hour": 3, "minute": 44}
